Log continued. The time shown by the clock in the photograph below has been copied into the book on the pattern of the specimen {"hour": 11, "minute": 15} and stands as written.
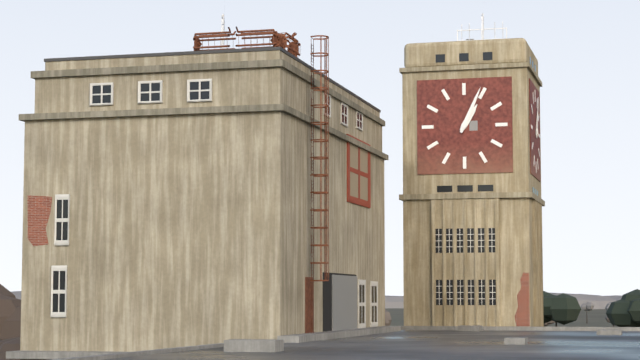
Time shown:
{"hour": 1, "minute": 4}
